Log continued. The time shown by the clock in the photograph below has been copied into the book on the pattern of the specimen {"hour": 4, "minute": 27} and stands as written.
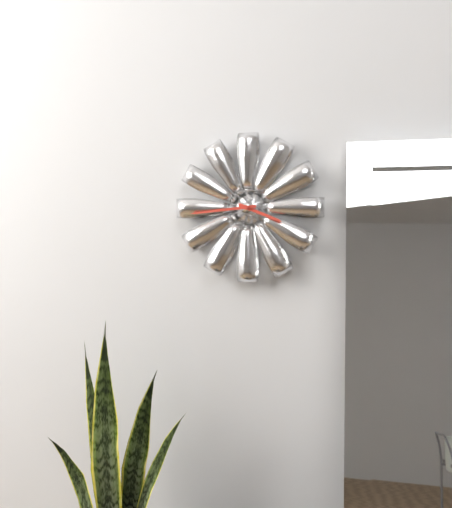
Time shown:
{"hour": 3, "minute": 44}
